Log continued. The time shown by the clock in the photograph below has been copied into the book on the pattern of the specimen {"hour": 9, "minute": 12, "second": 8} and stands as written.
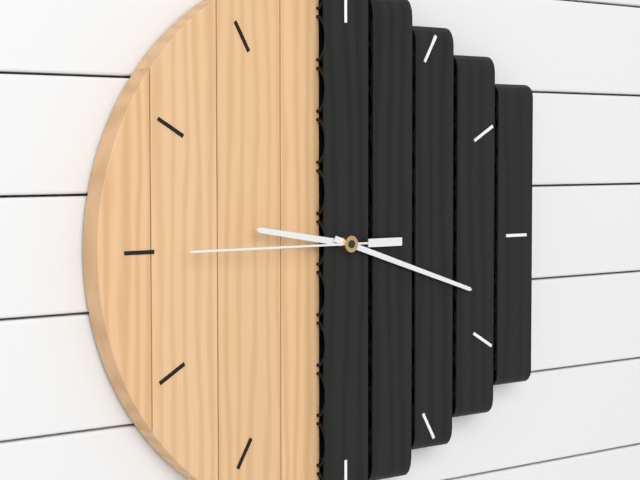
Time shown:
{"hour": 9, "minute": 18, "second": 45}
